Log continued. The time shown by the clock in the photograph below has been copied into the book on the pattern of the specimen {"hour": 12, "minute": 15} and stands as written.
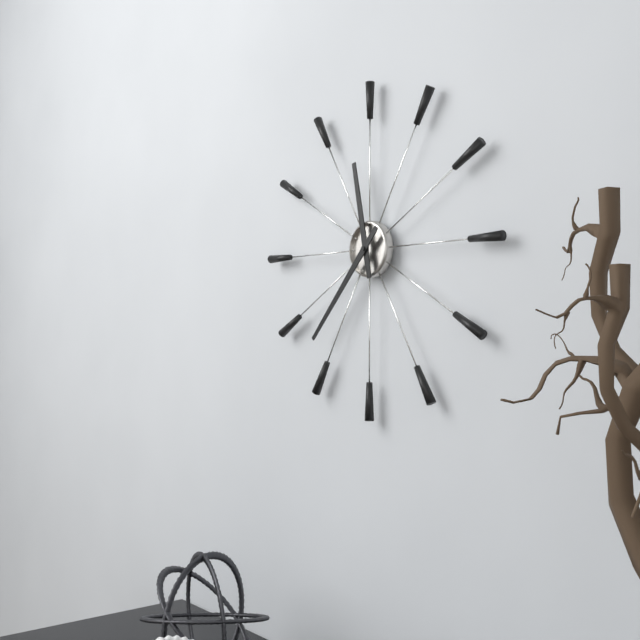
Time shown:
{"hour": 11, "minute": 37}
